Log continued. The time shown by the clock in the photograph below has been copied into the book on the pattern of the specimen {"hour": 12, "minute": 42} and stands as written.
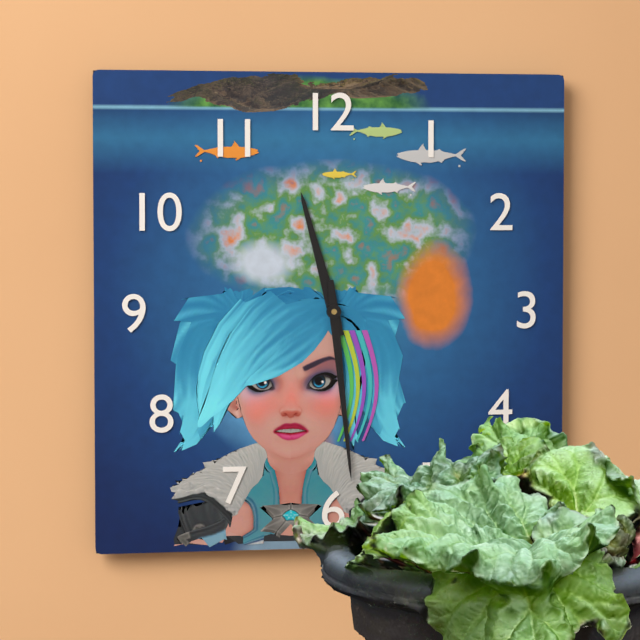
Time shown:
{"hour": 11, "minute": 29}
